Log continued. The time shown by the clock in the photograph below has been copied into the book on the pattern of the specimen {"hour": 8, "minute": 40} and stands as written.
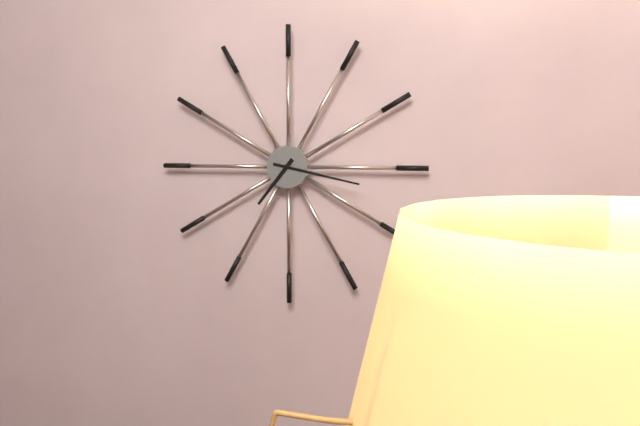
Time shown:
{"hour": 7, "minute": 17}
